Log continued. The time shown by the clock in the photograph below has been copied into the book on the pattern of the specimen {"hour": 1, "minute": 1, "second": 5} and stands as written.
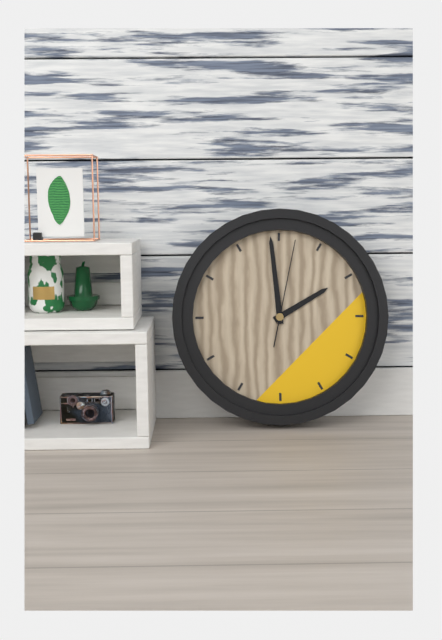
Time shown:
{"hour": 1, "minute": 59, "second": 2}
